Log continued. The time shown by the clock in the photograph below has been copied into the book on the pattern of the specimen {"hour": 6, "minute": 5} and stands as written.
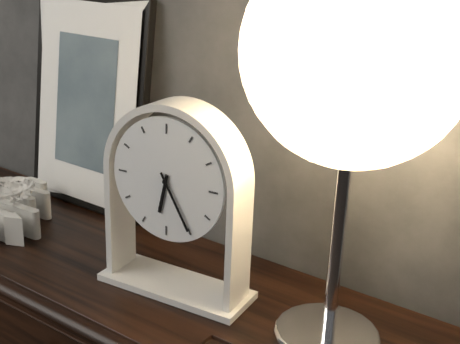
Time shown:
{"hour": 6, "minute": 25}
